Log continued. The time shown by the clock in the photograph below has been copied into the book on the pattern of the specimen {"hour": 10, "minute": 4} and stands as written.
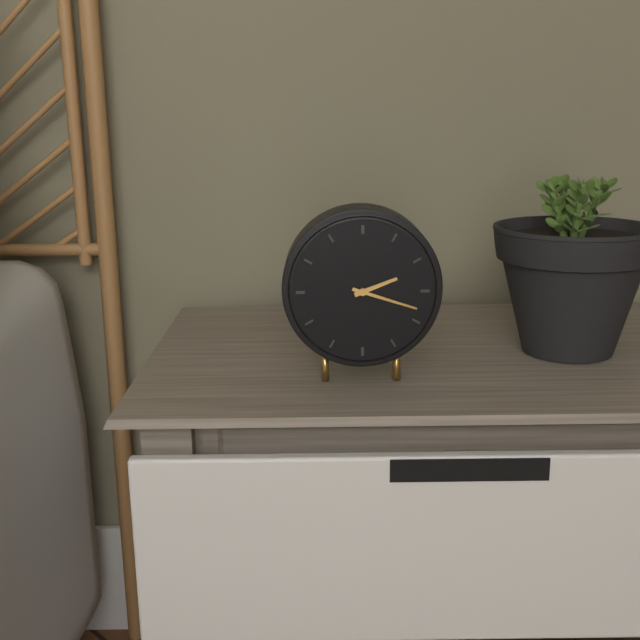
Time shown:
{"hour": 2, "minute": 18}
